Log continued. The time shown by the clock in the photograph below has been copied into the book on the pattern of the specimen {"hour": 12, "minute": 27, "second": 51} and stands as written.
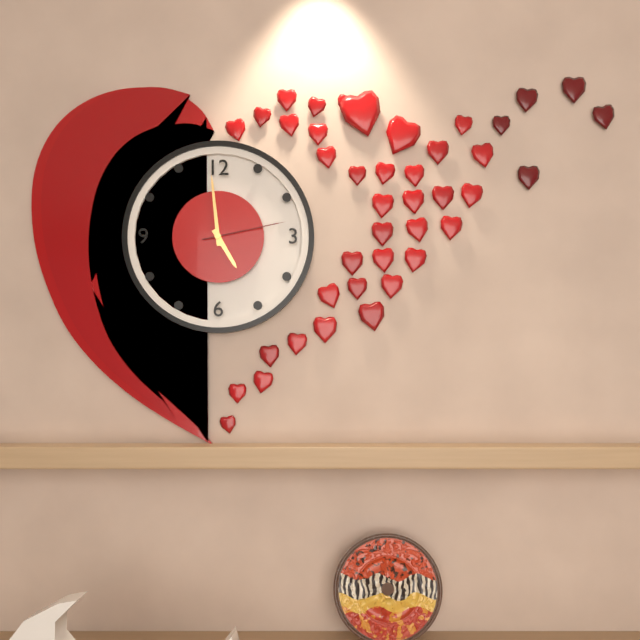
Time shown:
{"hour": 4, "minute": 59, "second": 13}
